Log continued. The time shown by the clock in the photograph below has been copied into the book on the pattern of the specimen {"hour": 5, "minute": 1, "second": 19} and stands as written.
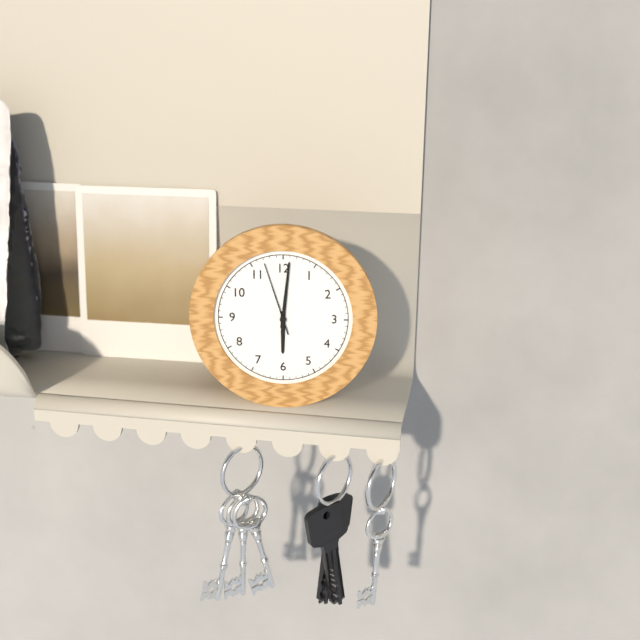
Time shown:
{"hour": 6, "minute": 1, "second": 57}
